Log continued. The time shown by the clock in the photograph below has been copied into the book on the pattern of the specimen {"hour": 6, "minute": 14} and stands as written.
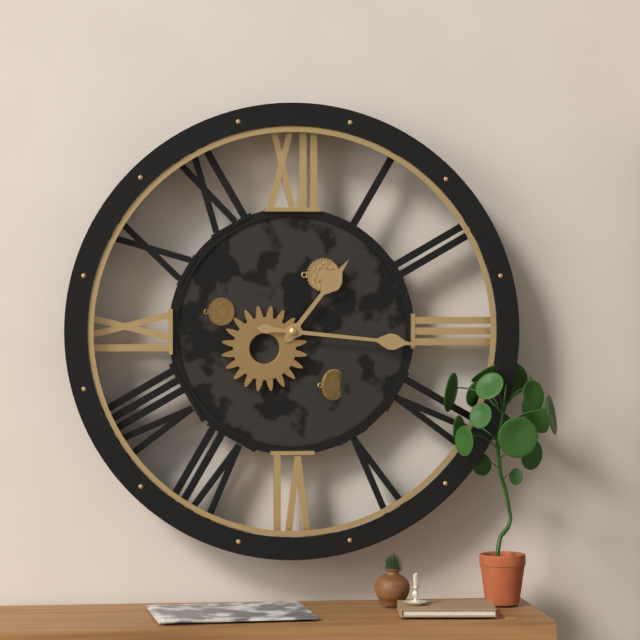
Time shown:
{"hour": 1, "minute": 16}
